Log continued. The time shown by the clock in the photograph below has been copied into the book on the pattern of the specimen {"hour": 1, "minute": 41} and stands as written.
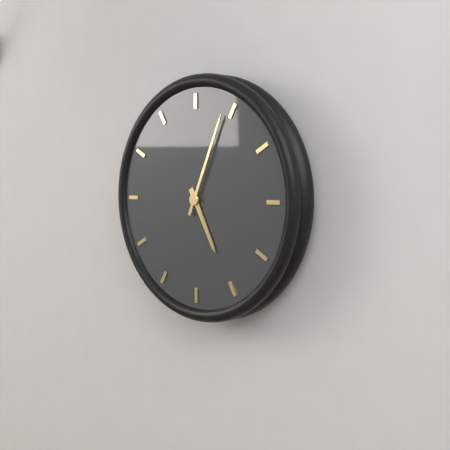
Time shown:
{"hour": 5, "minute": 4}
